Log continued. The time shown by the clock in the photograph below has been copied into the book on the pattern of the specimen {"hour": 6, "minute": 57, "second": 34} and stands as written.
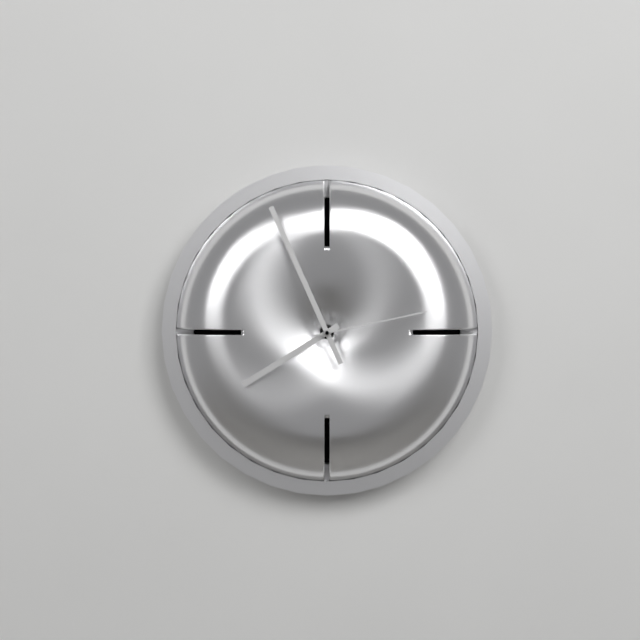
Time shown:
{"hour": 7, "minute": 56, "second": 13}
